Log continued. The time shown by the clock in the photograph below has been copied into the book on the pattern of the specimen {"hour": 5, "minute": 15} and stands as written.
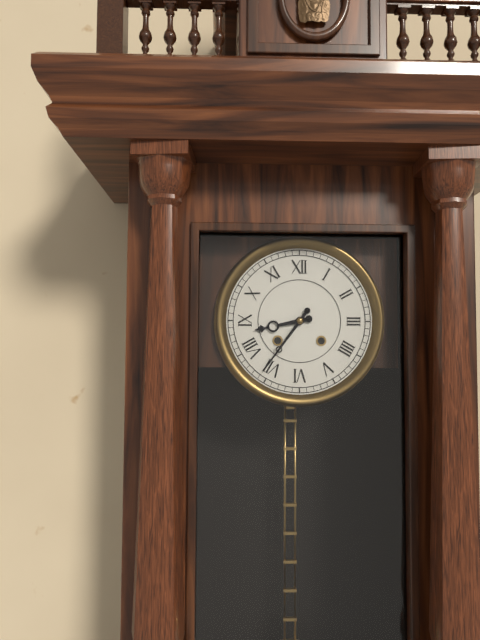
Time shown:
{"hour": 8, "minute": 36}
